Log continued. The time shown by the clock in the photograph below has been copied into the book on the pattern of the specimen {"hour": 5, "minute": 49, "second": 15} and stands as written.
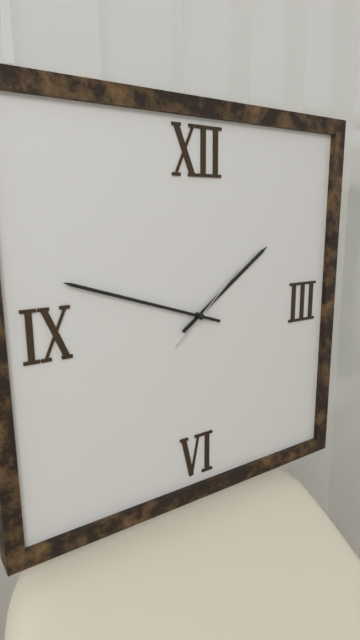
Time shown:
{"hour": 1, "minute": 48, "second": 8}
